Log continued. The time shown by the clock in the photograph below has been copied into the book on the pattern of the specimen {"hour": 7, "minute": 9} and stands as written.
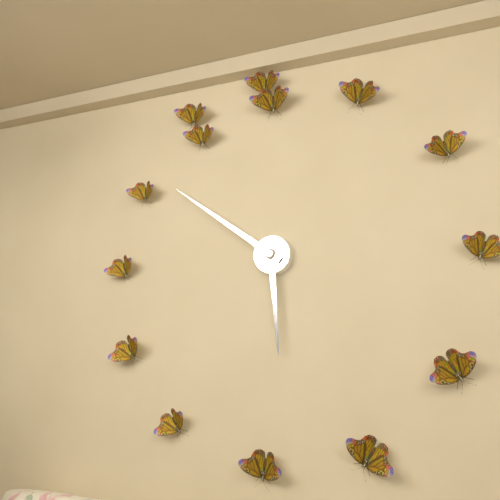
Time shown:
{"hour": 5, "minute": 51}
